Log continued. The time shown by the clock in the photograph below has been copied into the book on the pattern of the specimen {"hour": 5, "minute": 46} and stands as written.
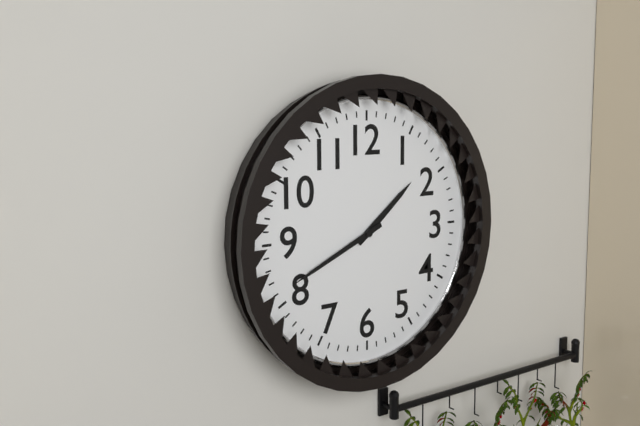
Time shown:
{"hour": 1, "minute": 41}
